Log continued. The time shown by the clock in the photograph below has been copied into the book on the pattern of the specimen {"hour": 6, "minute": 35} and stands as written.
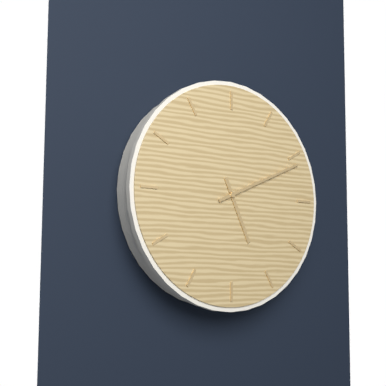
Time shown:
{"hour": 5, "minute": 11}
